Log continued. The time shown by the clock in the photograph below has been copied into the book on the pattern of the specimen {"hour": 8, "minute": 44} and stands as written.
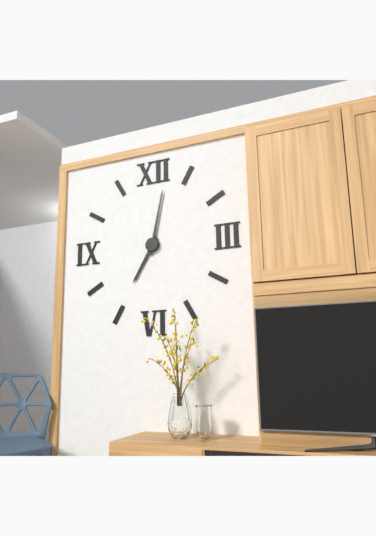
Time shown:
{"hour": 7, "minute": 2}
